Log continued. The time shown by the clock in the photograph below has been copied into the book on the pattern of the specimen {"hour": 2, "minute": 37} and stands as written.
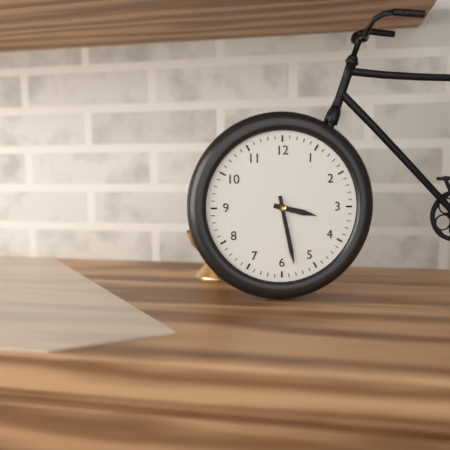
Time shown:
{"hour": 3, "minute": 28}
